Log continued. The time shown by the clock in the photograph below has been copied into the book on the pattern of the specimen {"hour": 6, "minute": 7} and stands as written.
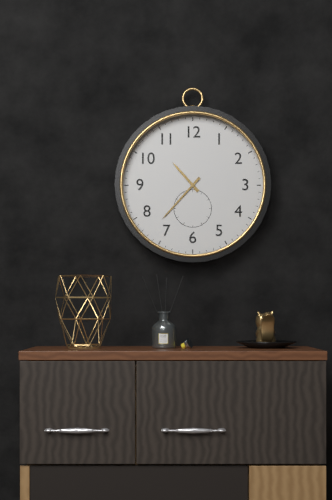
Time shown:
{"hour": 10, "minute": 37}
